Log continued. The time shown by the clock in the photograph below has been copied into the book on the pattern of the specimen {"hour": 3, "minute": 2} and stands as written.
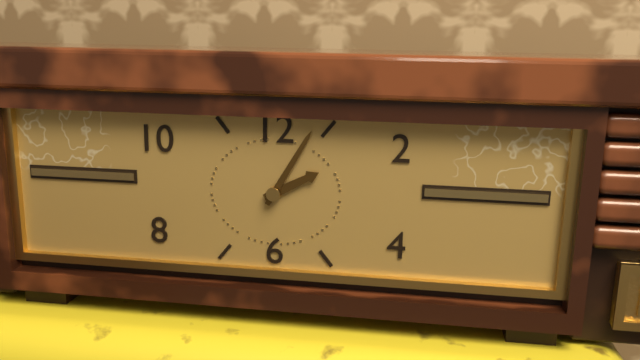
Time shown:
{"hour": 2, "minute": 5}
